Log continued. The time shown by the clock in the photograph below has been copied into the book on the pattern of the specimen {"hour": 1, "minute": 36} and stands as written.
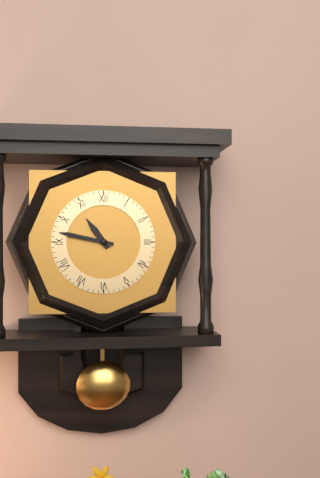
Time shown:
{"hour": 10, "minute": 47}
